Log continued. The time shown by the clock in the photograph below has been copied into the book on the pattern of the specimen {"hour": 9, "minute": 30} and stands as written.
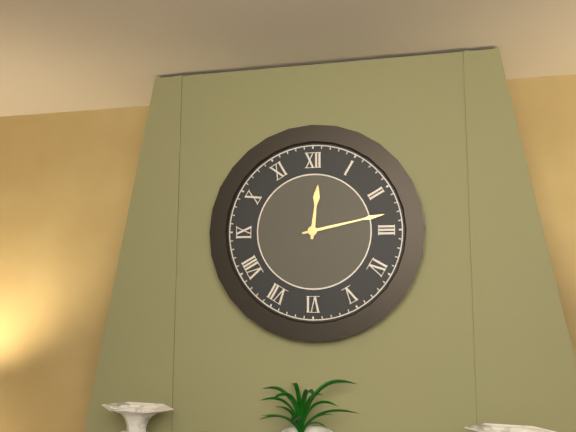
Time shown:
{"hour": 12, "minute": 13}
